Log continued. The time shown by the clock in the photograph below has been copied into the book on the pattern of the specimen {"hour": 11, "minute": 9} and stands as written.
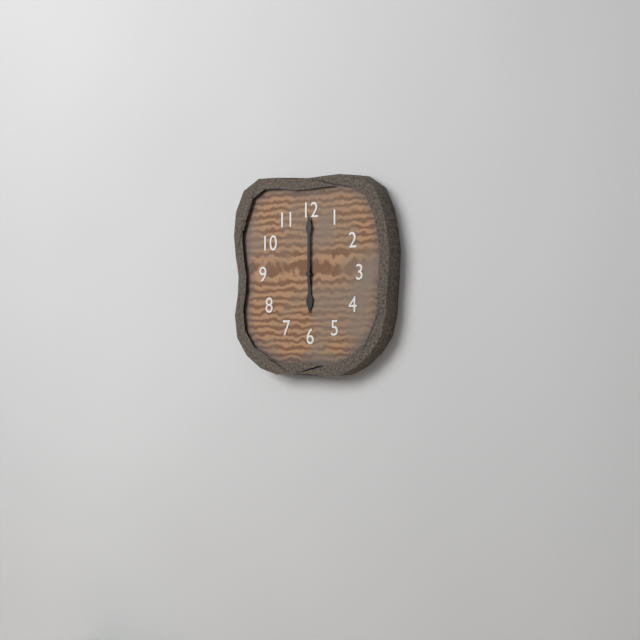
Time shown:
{"hour": 6, "minute": 0}
